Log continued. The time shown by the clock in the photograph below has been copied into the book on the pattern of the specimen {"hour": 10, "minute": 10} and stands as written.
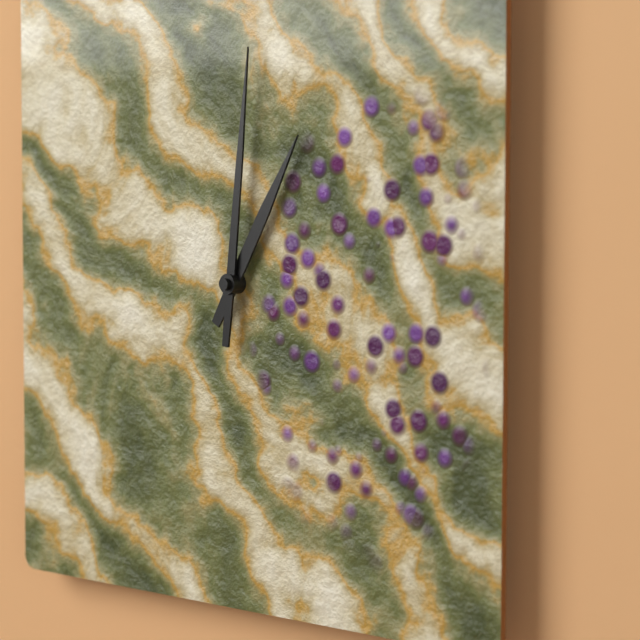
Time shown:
{"hour": 1, "minute": 1}
